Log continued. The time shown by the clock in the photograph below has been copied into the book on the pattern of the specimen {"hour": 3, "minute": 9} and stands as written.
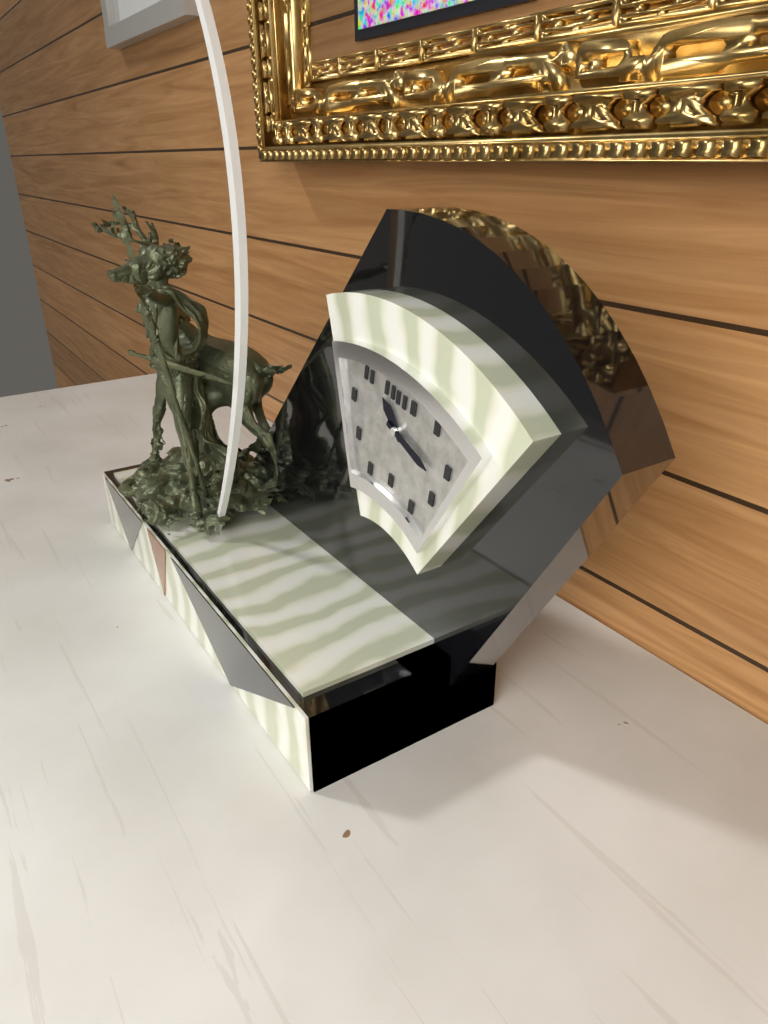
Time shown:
{"hour": 10, "minute": 17}
